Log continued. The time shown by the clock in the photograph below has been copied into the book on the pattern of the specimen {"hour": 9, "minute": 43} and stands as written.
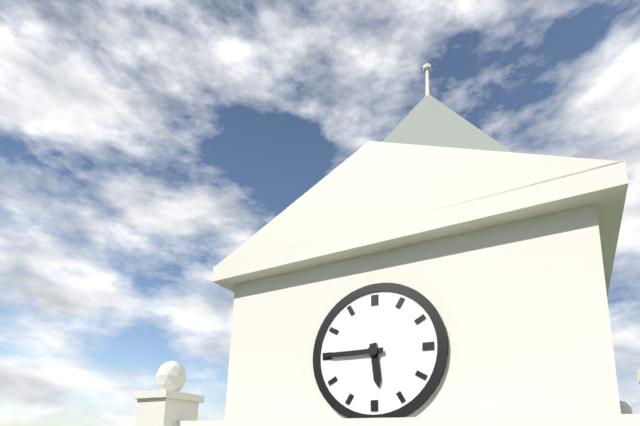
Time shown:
{"hour": 5, "minute": 45}
